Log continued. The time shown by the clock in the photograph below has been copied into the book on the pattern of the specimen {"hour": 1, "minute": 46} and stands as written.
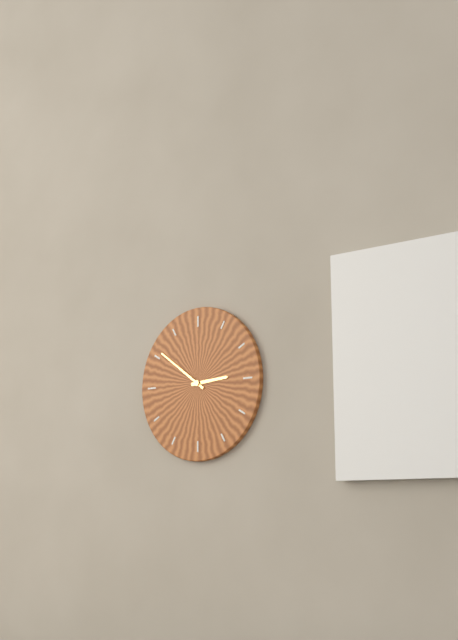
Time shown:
{"hour": 2, "minute": 51}
